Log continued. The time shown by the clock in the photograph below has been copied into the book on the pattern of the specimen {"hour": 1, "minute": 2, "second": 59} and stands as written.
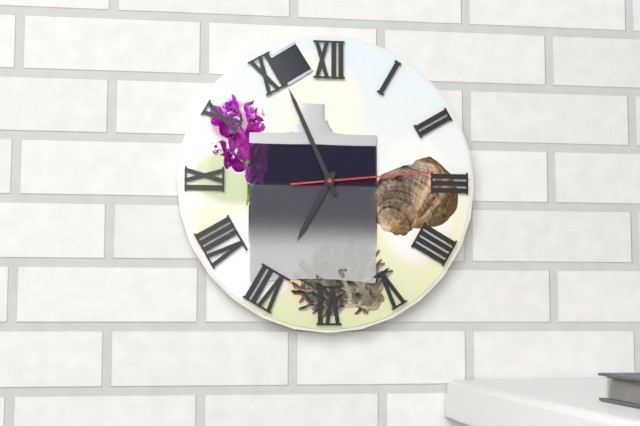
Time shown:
{"hour": 6, "minute": 56, "second": 14}
